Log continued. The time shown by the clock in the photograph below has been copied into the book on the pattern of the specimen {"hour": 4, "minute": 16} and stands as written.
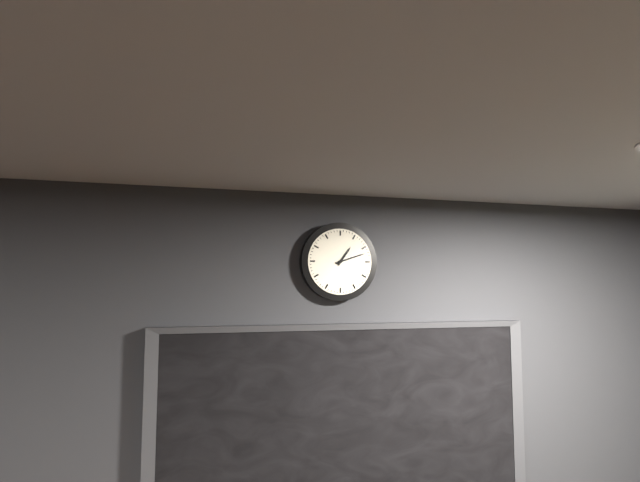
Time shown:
{"hour": 1, "minute": 12}
